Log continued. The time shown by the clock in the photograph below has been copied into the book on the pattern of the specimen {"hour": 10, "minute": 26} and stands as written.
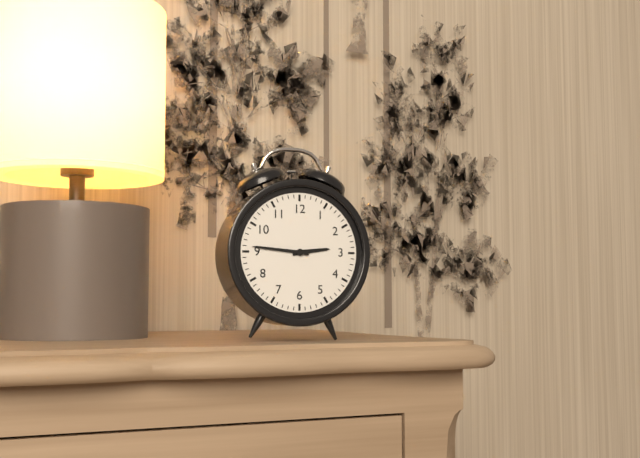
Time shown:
{"hour": 2, "minute": 46}
